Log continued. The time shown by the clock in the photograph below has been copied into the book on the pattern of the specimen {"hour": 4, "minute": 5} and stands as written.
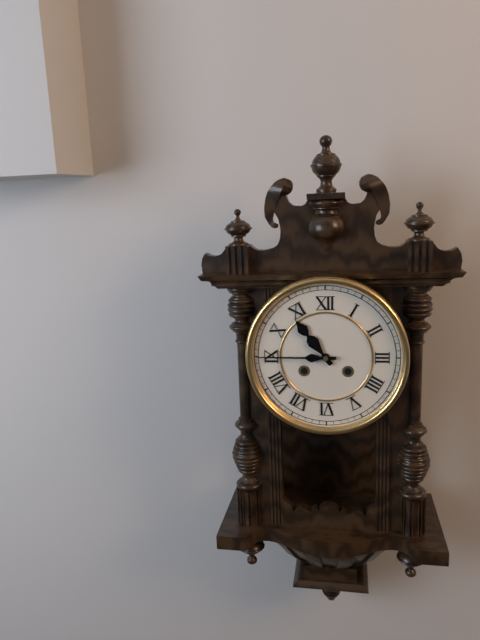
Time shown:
{"hour": 10, "minute": 45}
